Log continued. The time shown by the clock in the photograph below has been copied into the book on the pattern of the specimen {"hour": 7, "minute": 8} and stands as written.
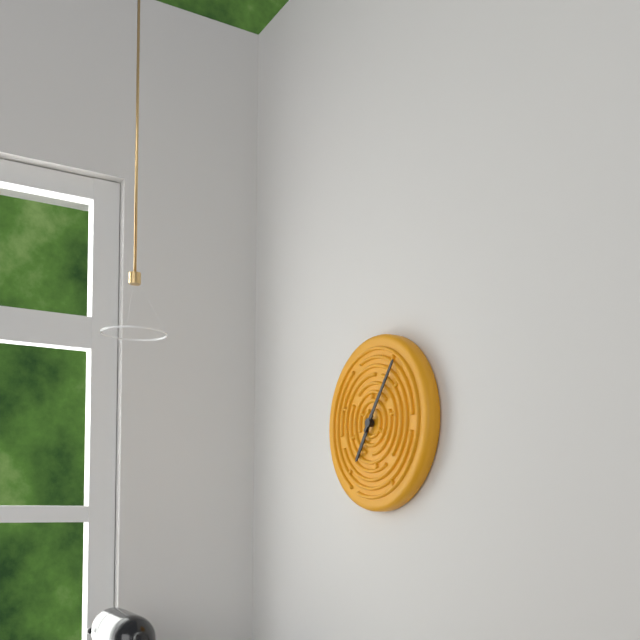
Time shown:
{"hour": 7, "minute": 6}
